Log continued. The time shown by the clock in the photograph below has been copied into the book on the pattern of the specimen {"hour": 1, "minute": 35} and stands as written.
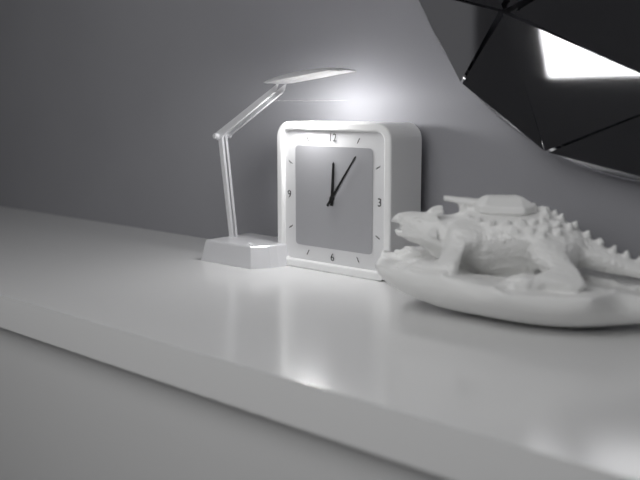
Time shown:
{"hour": 12, "minute": 6}
